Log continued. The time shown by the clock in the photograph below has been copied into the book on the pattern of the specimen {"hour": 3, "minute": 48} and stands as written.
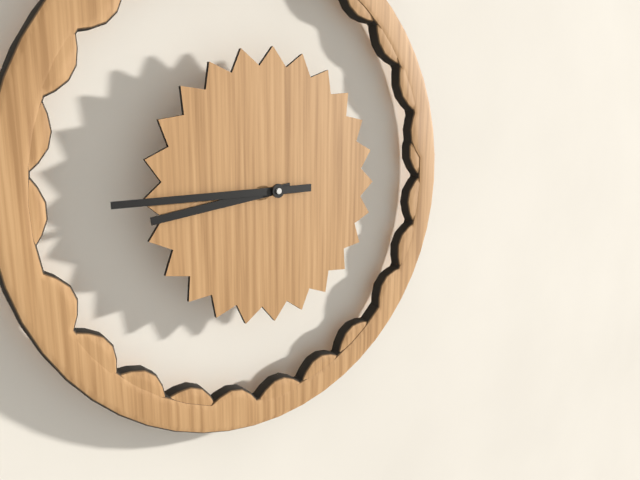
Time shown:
{"hour": 8, "minute": 45}
